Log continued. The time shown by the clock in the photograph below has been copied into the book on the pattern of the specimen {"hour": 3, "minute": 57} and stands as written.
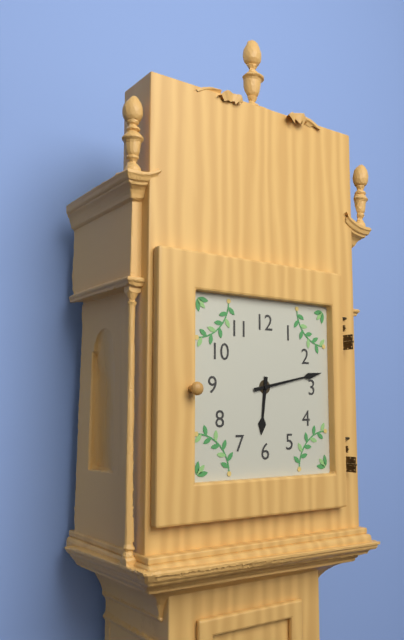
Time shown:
{"hour": 6, "minute": 13}
